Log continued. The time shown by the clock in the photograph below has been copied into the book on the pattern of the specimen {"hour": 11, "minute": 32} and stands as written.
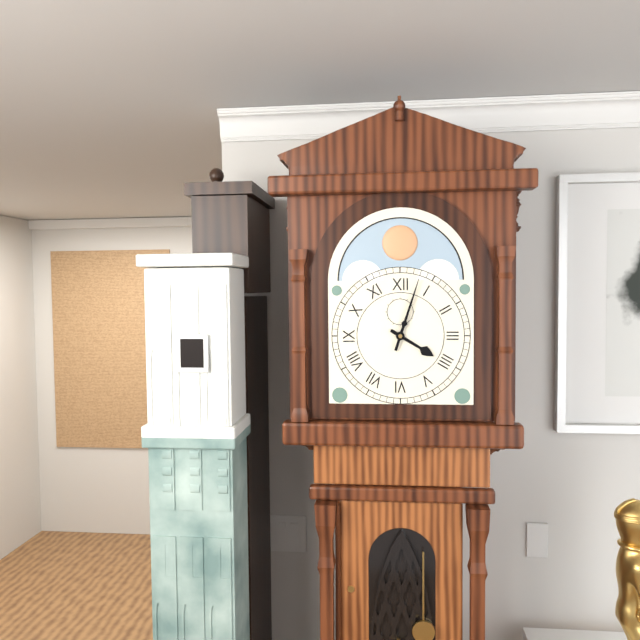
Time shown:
{"hour": 4, "minute": 3}
